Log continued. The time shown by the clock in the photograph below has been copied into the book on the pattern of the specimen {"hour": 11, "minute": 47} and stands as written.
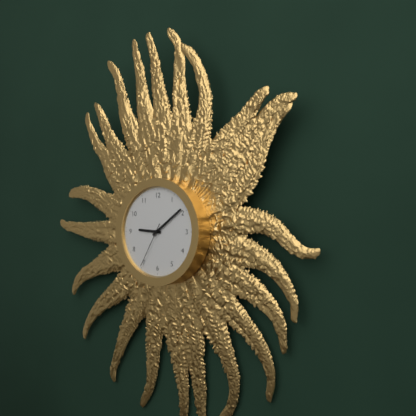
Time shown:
{"hour": 9, "minute": 9}
